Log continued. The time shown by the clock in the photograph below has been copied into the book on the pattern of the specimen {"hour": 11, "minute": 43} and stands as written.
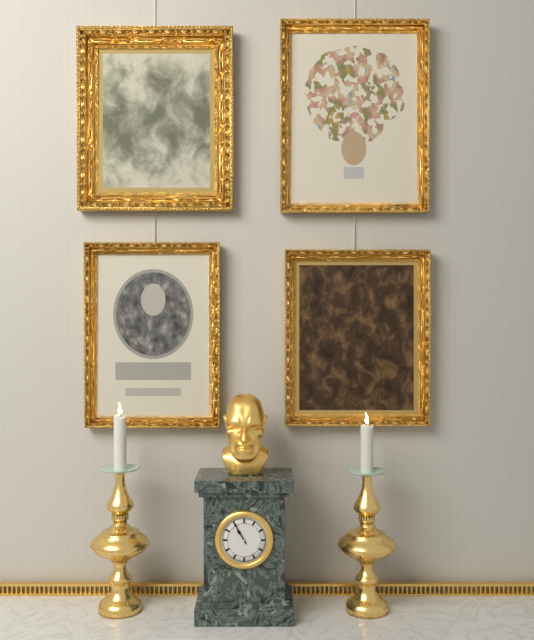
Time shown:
{"hour": 10, "minute": 55}
